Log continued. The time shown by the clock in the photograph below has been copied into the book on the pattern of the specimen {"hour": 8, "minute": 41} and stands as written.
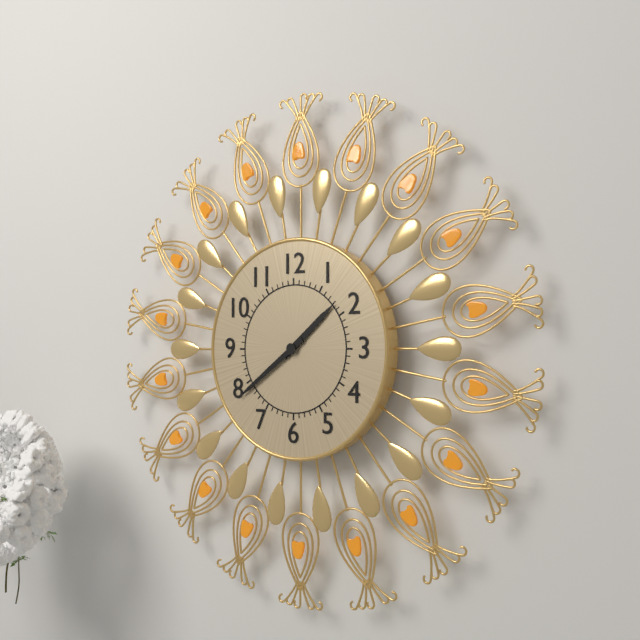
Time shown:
{"hour": 1, "minute": 39}
